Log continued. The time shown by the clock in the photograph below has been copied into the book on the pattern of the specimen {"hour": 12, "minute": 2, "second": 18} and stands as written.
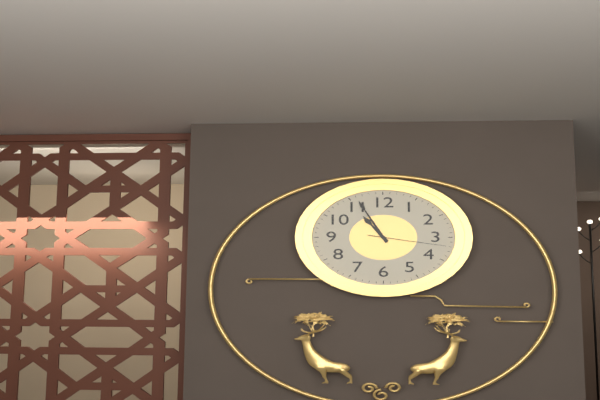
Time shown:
{"hour": 10, "minute": 56, "second": 17}
